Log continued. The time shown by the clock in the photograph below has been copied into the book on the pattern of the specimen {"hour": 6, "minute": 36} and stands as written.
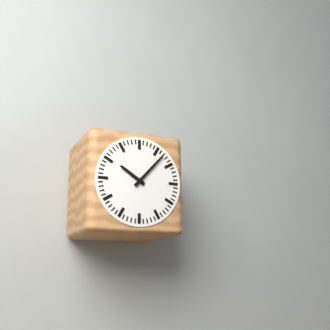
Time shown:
{"hour": 10, "minute": 7}
